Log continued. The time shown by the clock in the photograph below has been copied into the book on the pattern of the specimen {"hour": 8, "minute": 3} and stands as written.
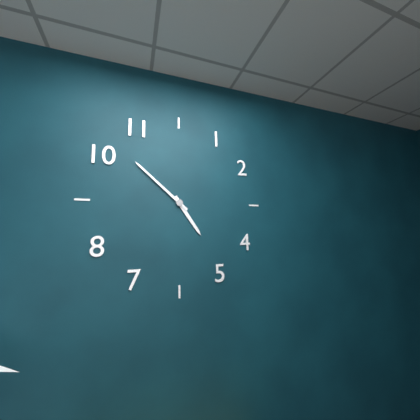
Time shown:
{"hour": 4, "minute": 52}
